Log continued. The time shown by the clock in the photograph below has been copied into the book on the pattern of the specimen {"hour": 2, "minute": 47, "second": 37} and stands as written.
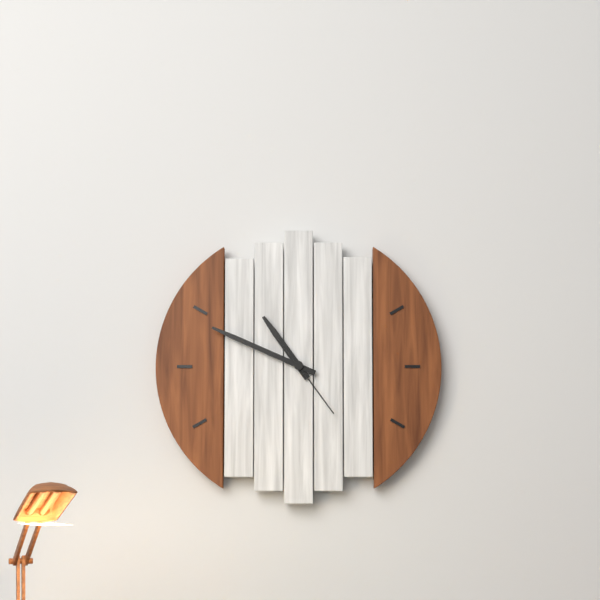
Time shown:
{"hour": 10, "minute": 49, "second": 24}
